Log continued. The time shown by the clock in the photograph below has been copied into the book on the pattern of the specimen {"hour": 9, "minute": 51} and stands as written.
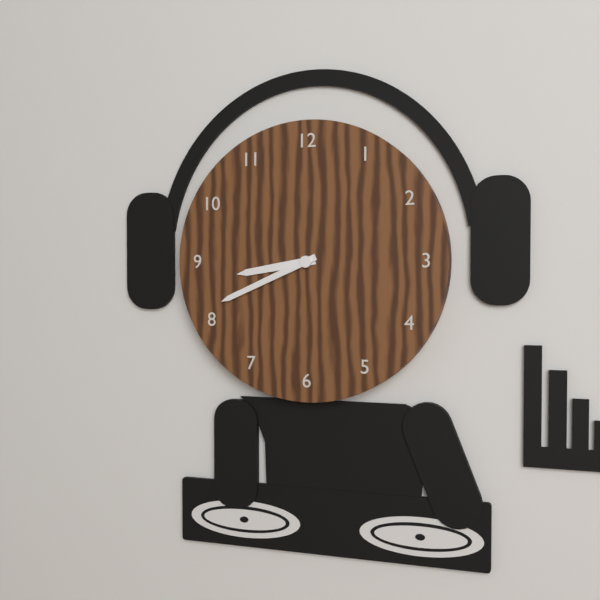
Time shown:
{"hour": 8, "minute": 41}
